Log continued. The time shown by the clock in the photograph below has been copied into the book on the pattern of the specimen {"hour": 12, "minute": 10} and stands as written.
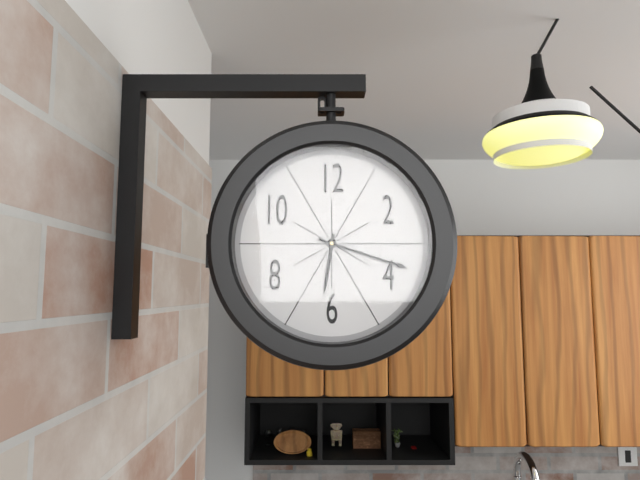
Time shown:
{"hour": 6, "minute": 18}
